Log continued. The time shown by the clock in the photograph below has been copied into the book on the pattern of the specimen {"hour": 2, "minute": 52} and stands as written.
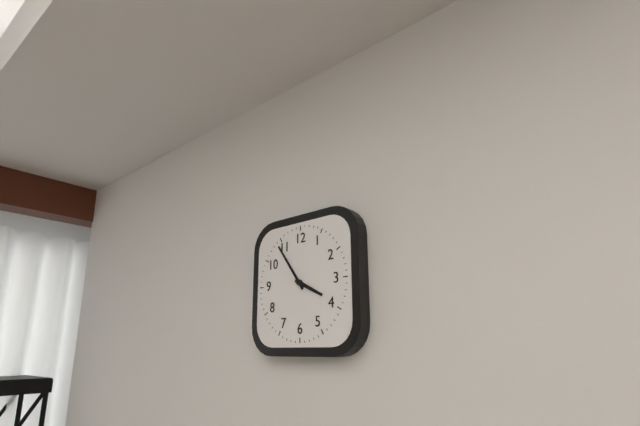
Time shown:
{"hour": 3, "minute": 54}
